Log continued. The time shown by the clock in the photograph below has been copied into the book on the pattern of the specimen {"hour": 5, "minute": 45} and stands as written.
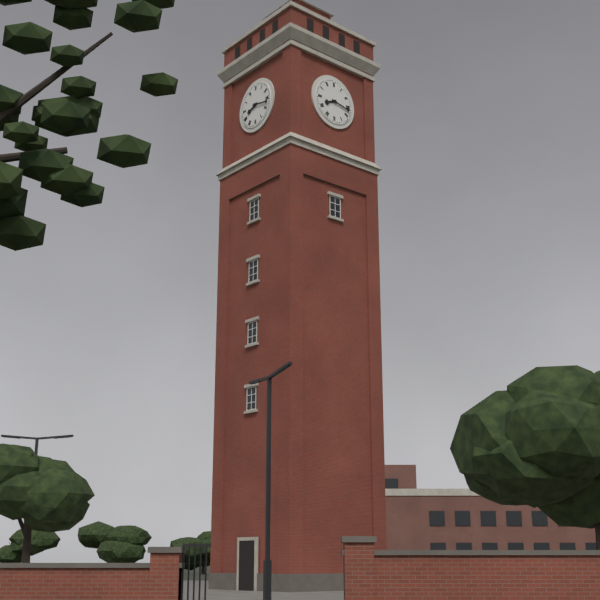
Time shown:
{"hour": 8, "minute": 17}
